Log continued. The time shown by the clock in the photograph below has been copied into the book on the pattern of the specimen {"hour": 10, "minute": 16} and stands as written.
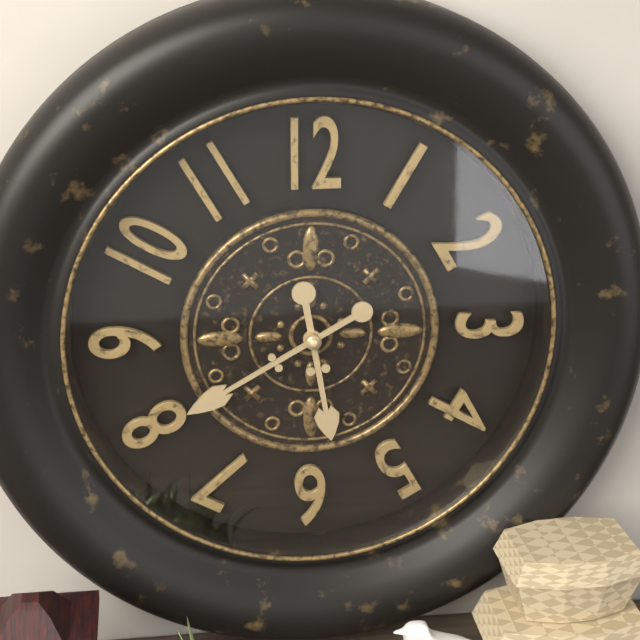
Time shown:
{"hour": 5, "minute": 40}
